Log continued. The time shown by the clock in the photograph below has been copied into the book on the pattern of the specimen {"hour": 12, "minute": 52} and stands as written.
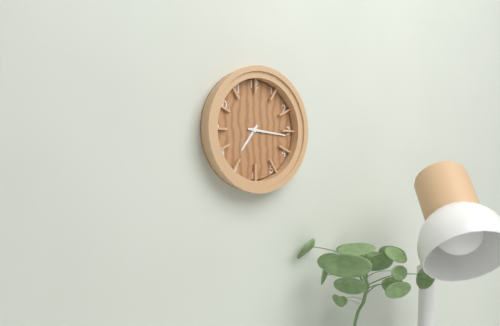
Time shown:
{"hour": 7, "minute": 16}
